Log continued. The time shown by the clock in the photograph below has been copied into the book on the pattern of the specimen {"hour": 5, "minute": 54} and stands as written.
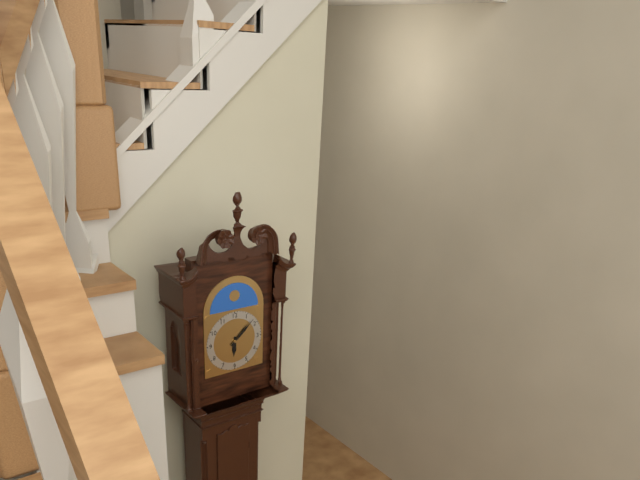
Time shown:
{"hour": 6, "minute": 8}
